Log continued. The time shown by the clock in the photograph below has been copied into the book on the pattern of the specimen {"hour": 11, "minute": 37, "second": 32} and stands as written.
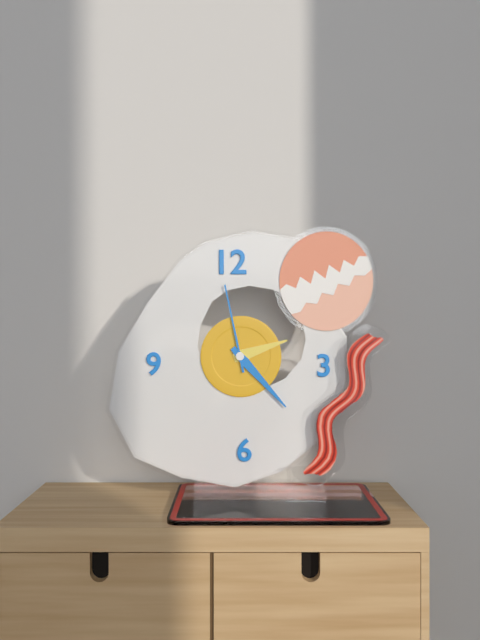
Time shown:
{"hour": 2, "minute": 23, "second": 58}
